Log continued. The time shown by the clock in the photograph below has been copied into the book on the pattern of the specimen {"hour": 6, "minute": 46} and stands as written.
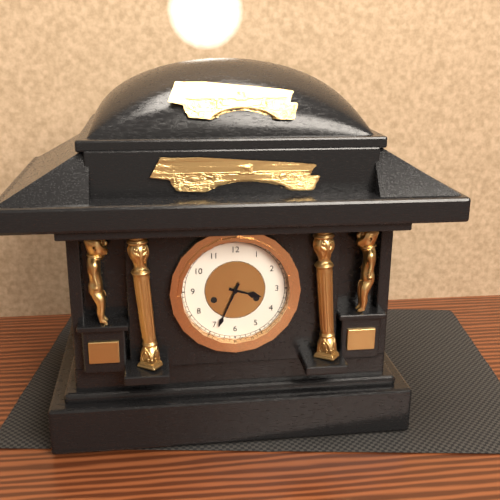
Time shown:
{"hour": 3, "minute": 34}
